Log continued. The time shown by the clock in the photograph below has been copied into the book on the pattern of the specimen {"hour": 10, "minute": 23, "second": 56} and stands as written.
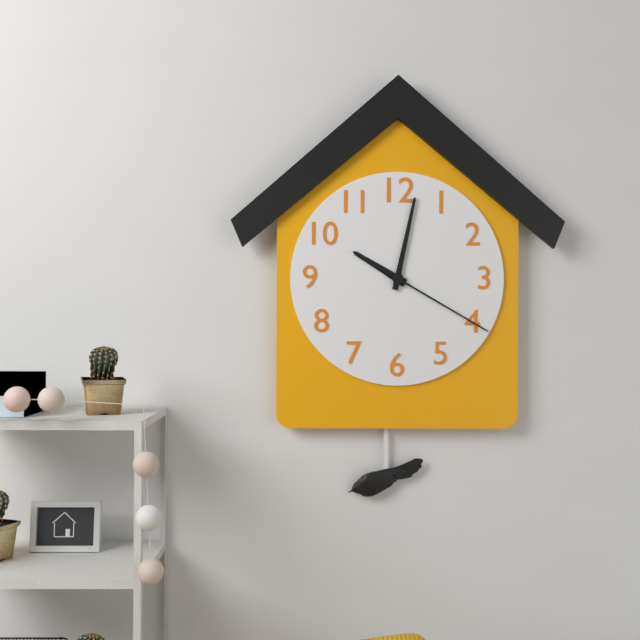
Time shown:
{"hour": 10, "minute": 2, "second": 20}
